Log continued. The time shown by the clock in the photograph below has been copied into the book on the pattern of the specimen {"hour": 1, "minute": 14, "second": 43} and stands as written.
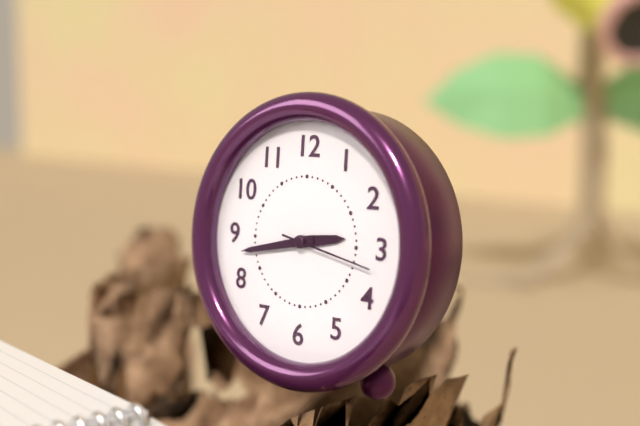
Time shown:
{"hour": 2, "minute": 43, "second": 17}
